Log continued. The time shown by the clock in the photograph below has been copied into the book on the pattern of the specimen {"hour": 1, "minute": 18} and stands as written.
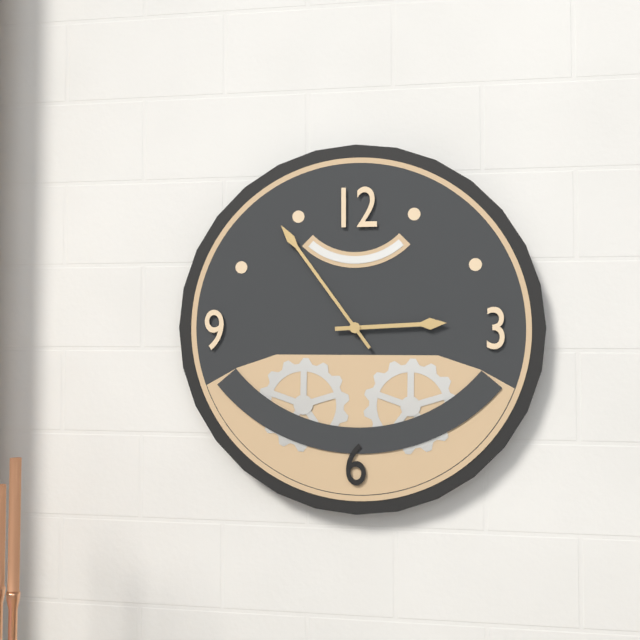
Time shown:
{"hour": 2, "minute": 54}
